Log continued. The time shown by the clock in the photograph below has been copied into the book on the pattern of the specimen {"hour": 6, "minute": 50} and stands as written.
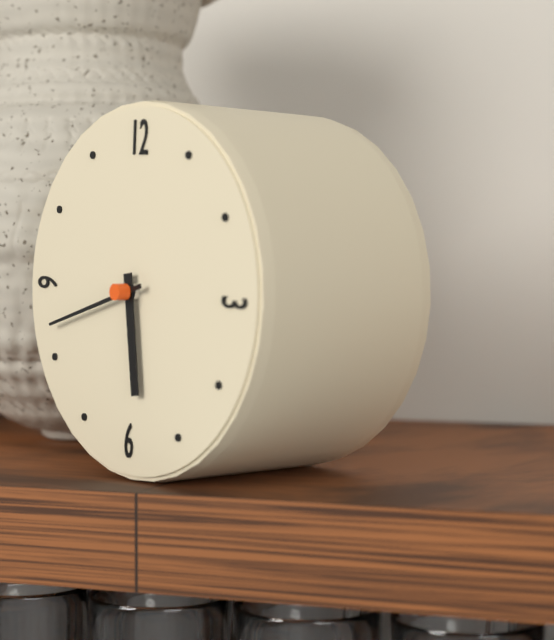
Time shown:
{"hour": 5, "minute": 42}
